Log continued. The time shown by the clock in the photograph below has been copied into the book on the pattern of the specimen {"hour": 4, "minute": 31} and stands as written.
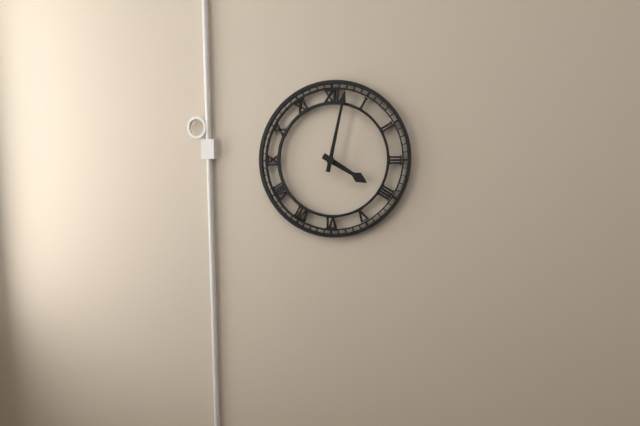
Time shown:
{"hour": 4, "minute": 2}
